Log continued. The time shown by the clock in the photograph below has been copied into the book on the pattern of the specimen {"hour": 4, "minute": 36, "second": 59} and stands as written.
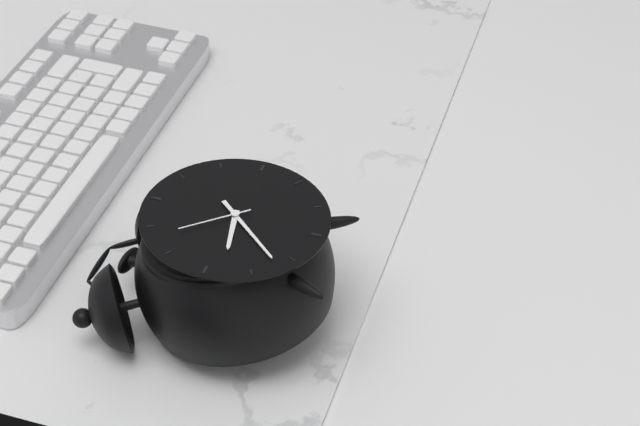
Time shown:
{"hour": 8, "minute": 37, "second": 53}
